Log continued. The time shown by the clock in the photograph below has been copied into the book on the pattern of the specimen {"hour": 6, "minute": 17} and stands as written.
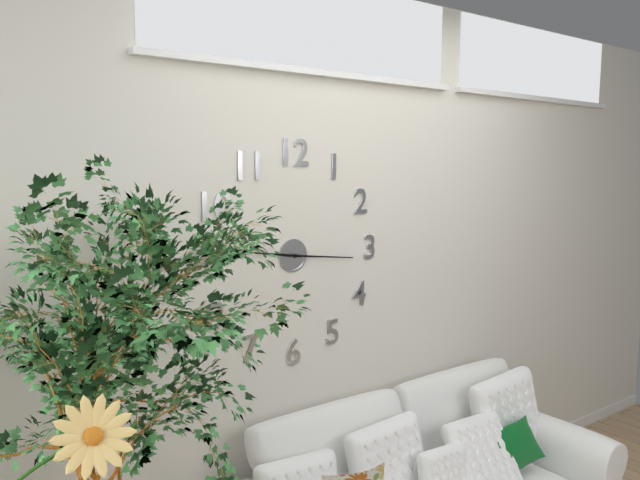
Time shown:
{"hour": 9, "minute": 16}
